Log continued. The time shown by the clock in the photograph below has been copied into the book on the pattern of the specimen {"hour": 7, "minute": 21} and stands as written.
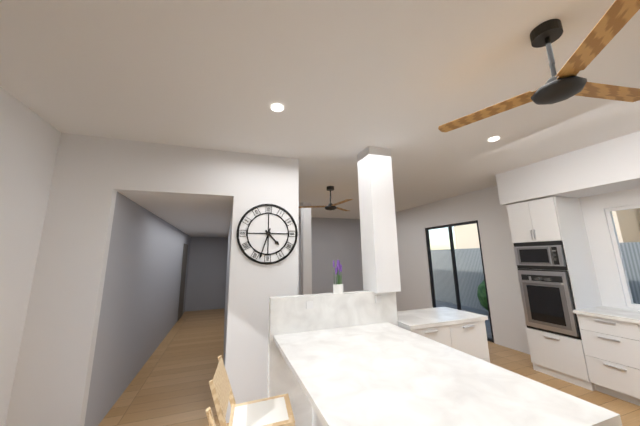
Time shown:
{"hour": 4, "minute": 33}
